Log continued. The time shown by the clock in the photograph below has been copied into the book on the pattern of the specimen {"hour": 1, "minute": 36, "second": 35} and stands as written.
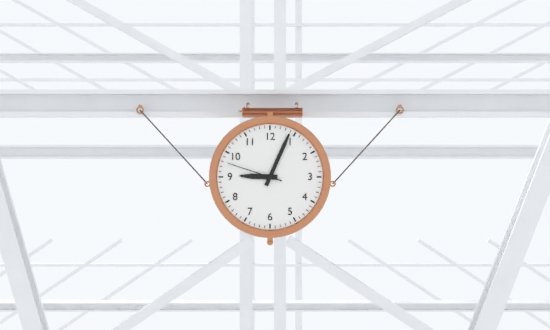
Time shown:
{"hour": 9, "minute": 4, "second": 48}
